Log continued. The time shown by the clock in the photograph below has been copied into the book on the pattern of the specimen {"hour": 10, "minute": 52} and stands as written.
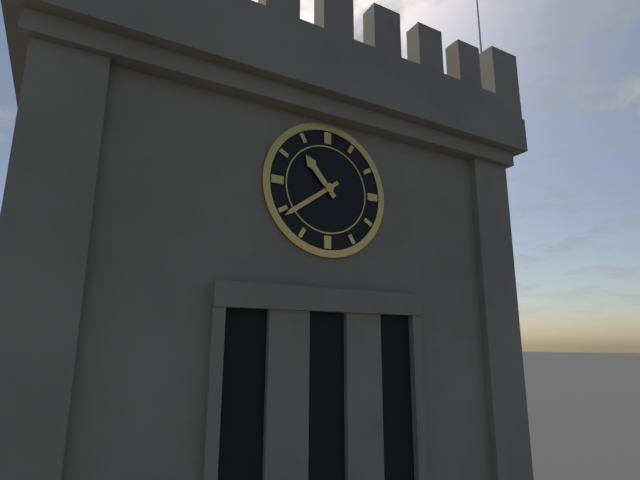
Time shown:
{"hour": 10, "minute": 39}
